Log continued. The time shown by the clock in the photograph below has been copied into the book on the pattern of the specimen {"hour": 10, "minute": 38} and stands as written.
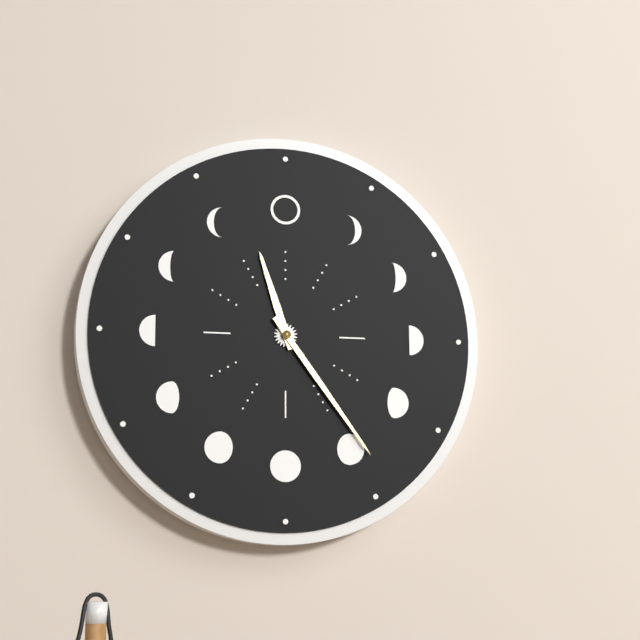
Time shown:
{"hour": 11, "minute": 24}
